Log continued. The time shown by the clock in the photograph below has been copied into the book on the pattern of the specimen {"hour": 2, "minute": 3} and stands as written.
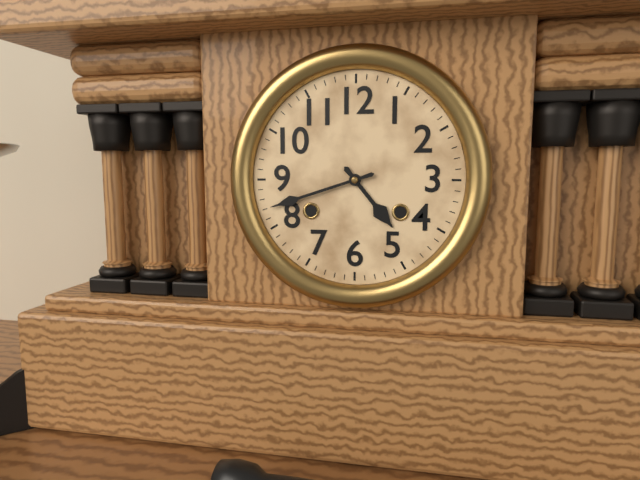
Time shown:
{"hour": 4, "minute": 42}
